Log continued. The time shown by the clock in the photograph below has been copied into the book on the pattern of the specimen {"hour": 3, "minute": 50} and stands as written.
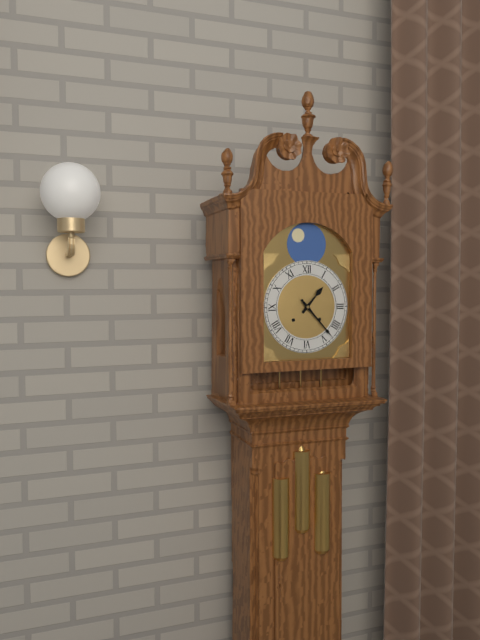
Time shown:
{"hour": 1, "minute": 23}
